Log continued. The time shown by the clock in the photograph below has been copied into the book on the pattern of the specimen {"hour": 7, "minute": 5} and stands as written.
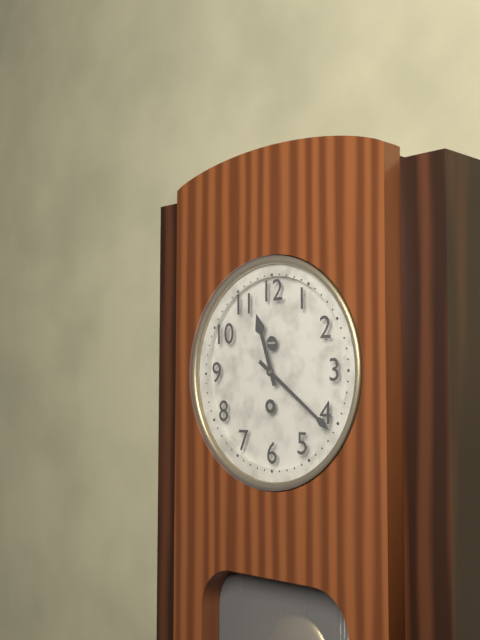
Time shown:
{"hour": 11, "minute": 21}
